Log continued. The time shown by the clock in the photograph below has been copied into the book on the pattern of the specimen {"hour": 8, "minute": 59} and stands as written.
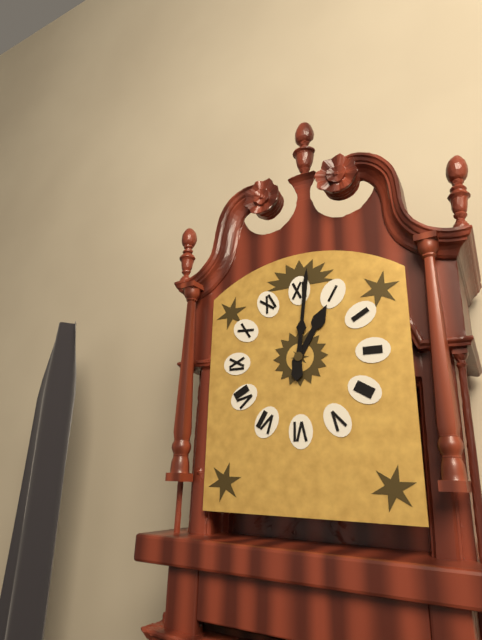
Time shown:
{"hour": 1, "minute": 1}
